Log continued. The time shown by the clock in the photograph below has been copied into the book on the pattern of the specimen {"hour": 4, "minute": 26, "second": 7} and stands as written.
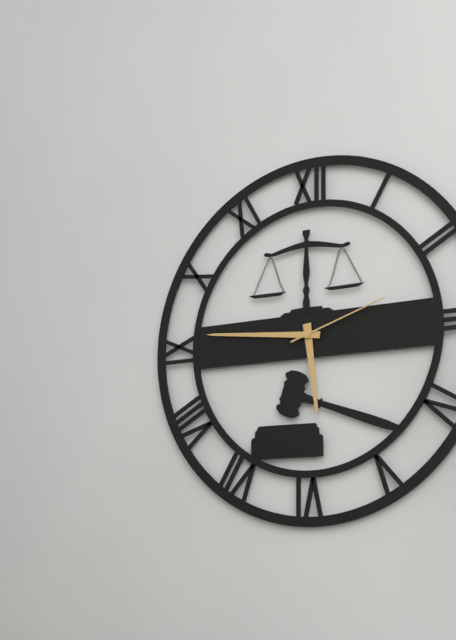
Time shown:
{"hour": 5, "minute": 46, "second": 12}
